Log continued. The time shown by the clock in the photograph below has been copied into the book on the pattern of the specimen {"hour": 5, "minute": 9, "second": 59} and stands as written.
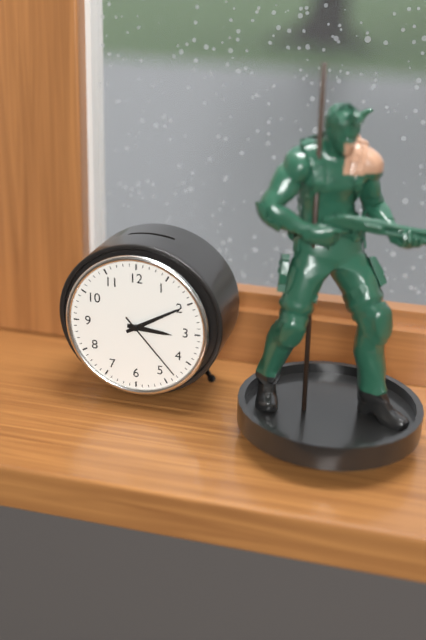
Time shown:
{"hour": 3, "minute": 10, "second": 23}
